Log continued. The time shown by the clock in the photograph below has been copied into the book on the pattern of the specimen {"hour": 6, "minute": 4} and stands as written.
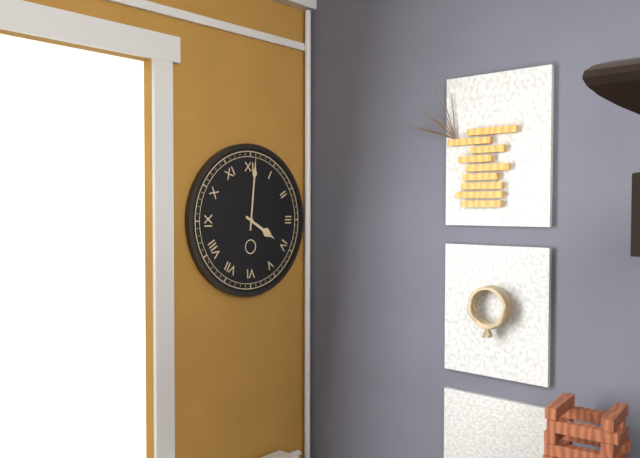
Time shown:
{"hour": 4, "minute": 1}
